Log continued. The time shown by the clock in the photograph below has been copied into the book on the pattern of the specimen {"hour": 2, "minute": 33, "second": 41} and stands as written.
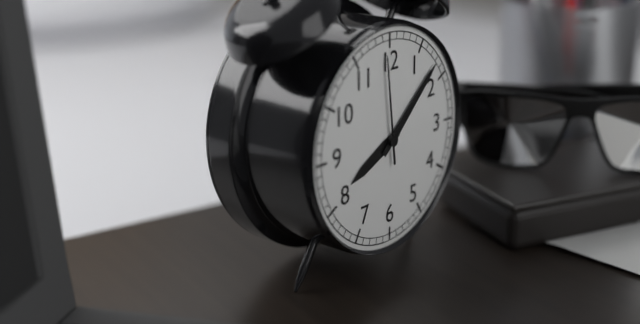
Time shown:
{"hour": 8, "minute": 8, "second": 59}
